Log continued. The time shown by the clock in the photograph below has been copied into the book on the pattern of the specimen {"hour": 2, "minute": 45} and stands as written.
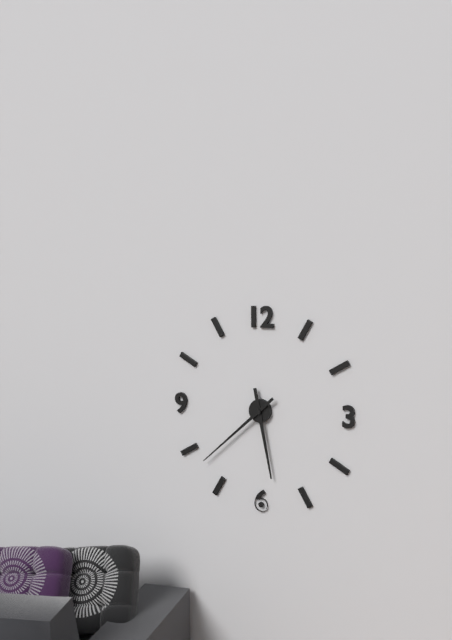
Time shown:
{"hour": 5, "minute": 38}
